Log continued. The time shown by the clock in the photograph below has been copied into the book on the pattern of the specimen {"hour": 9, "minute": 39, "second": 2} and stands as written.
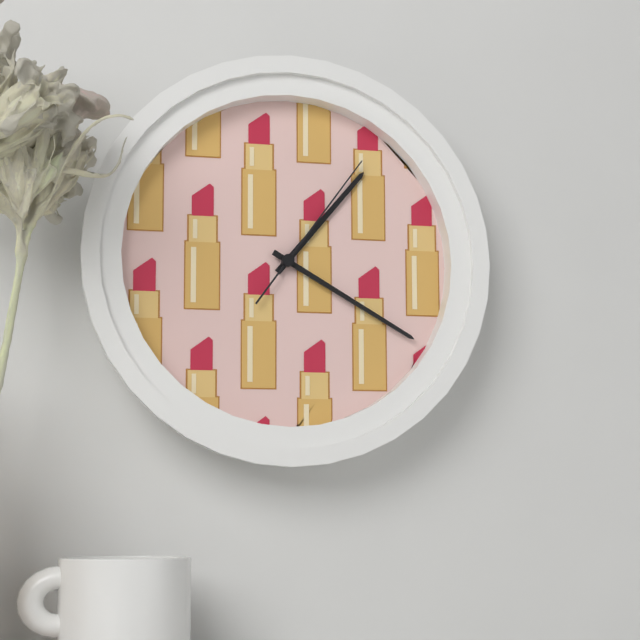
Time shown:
{"hour": 1, "minute": 20, "second": 6}
